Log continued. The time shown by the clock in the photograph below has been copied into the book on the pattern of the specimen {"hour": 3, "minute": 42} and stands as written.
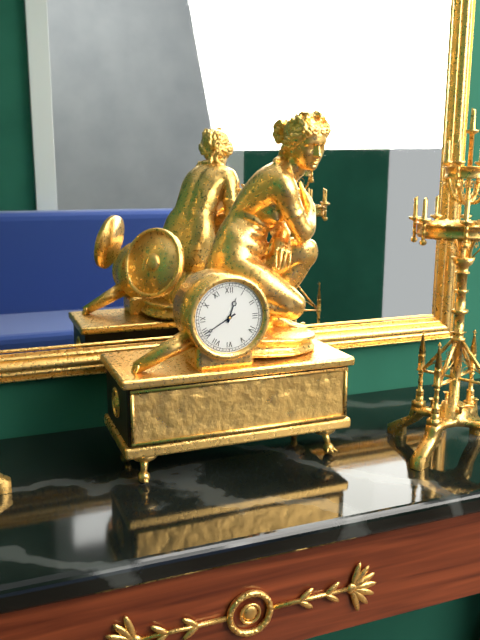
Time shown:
{"hour": 12, "minute": 40}
